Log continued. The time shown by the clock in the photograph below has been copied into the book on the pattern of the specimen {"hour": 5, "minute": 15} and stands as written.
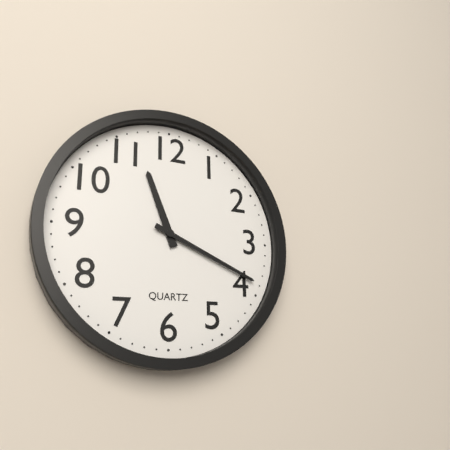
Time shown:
{"hour": 11, "minute": 19}
